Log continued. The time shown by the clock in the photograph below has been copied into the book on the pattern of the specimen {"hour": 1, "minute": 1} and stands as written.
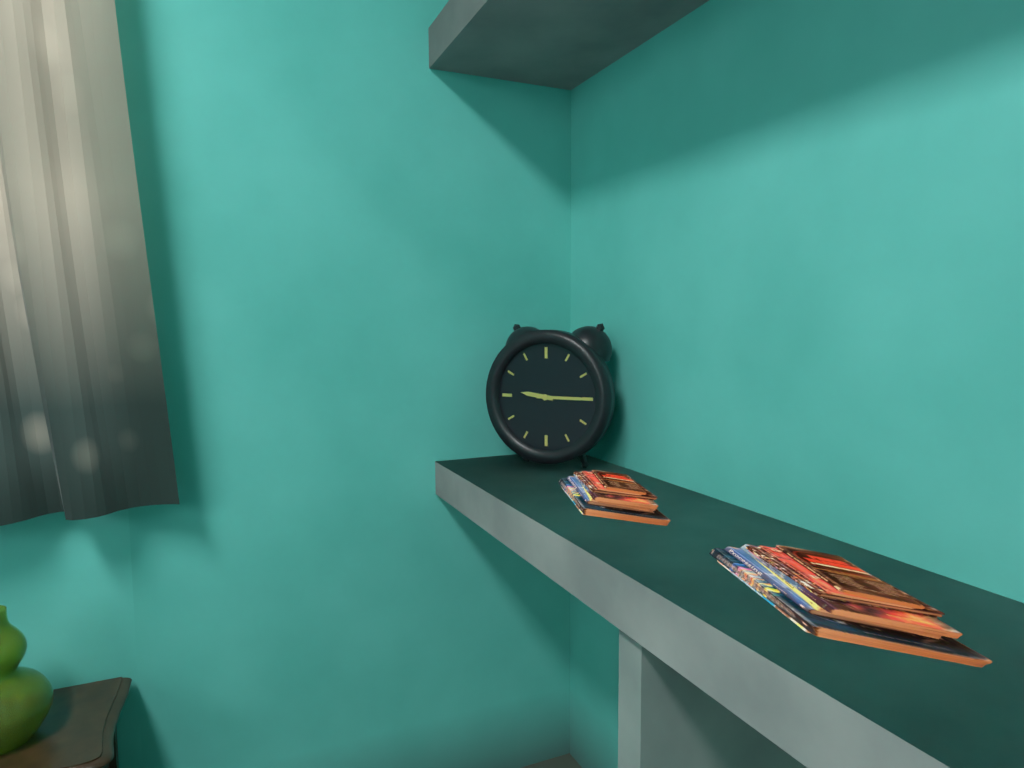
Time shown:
{"hour": 9, "minute": 15}
